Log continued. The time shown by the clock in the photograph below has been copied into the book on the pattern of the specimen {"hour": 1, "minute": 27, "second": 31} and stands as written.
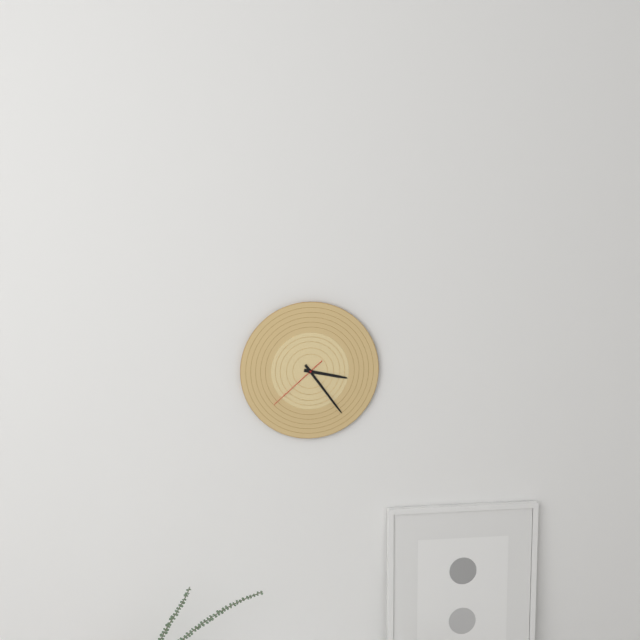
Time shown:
{"hour": 3, "minute": 24, "second": 38}
